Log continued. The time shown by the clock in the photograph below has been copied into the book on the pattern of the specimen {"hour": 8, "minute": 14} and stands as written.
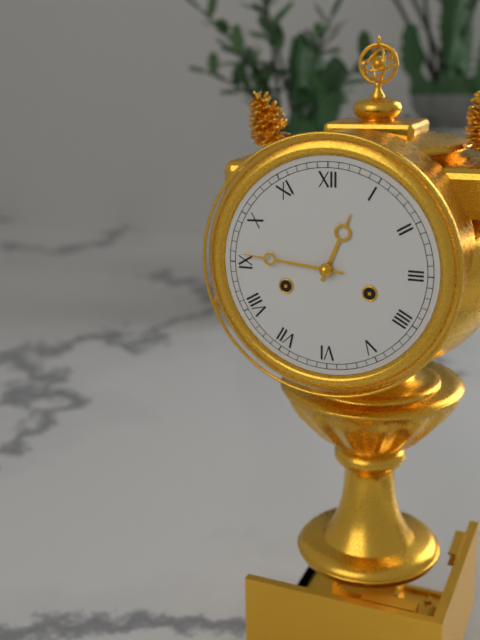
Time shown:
{"hour": 12, "minute": 46}
